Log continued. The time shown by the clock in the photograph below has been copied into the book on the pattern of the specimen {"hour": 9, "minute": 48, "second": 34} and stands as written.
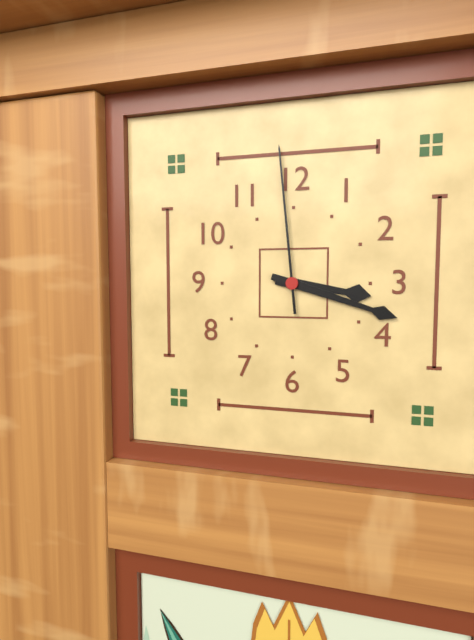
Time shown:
{"hour": 3, "minute": 18, "second": 59}
